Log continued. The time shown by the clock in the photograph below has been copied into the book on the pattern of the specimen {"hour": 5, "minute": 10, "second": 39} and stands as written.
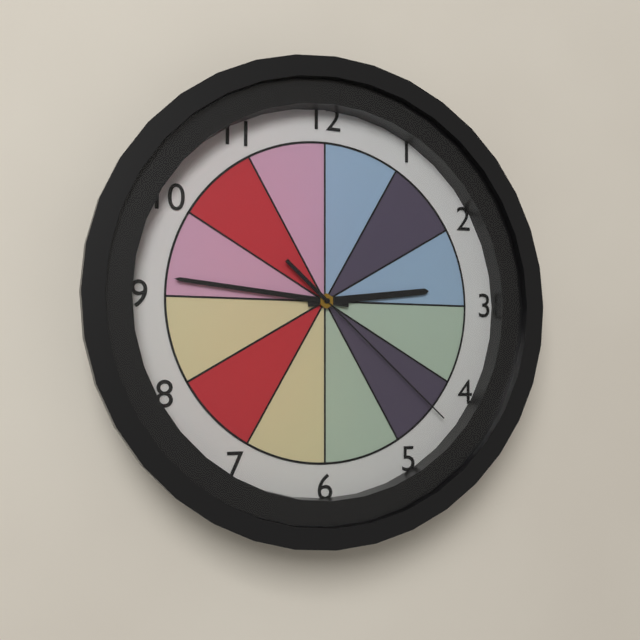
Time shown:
{"hour": 2, "minute": 46, "second": 22}
